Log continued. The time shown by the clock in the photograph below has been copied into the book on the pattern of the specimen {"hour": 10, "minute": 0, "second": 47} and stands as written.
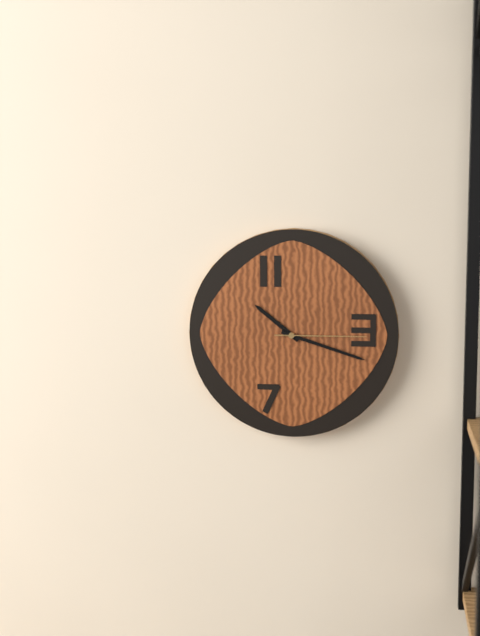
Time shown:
{"hour": 10, "minute": 18, "second": 15}
